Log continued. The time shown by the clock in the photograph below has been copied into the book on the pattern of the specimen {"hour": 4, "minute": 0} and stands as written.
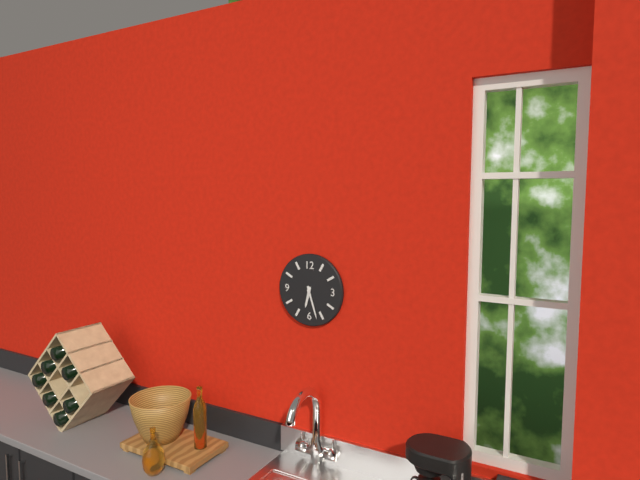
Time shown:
{"hour": 6, "minute": 27}
